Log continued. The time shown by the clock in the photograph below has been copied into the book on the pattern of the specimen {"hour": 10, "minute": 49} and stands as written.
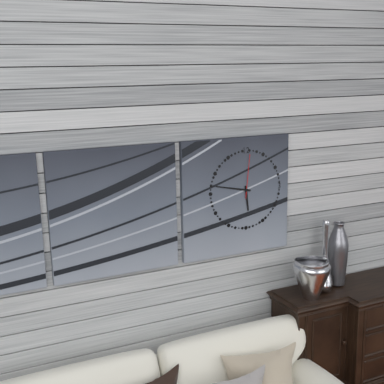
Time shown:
{"hour": 5, "minute": 47}
